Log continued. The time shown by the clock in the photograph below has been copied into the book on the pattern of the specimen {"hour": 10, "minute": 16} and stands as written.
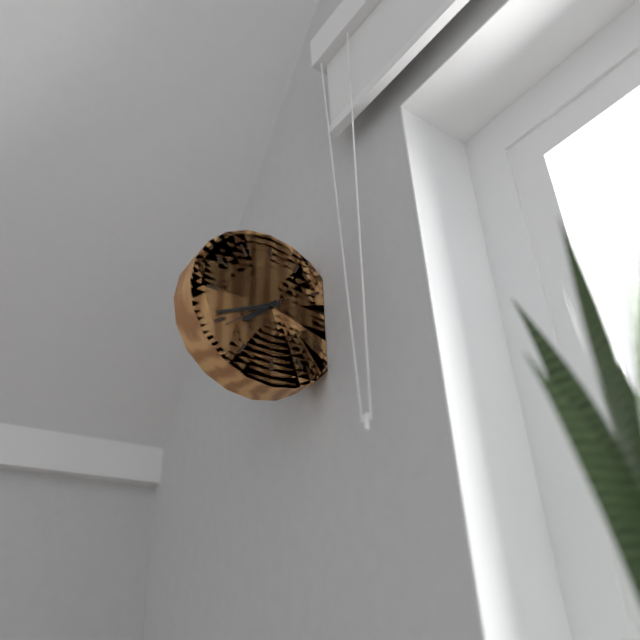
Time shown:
{"hour": 7, "minute": 41}
